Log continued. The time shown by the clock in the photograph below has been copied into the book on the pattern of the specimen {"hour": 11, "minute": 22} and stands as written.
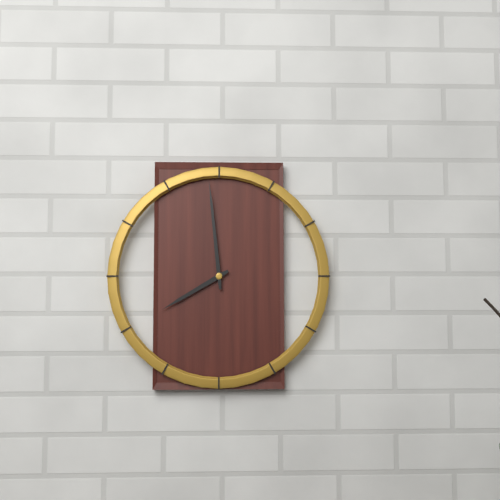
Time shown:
{"hour": 7, "minute": 59}
